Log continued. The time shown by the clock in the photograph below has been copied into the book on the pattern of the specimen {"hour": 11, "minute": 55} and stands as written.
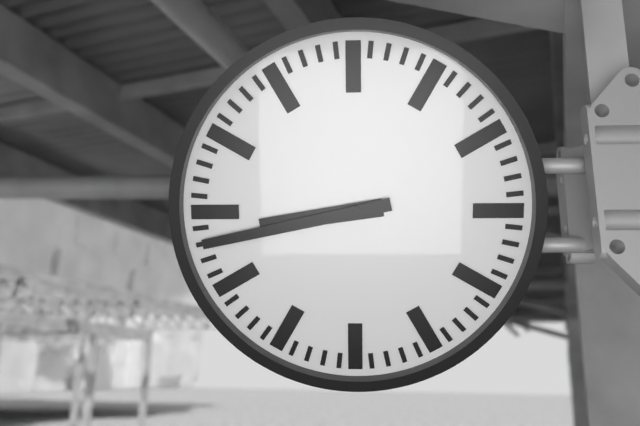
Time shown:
{"hour": 8, "minute": 43}
